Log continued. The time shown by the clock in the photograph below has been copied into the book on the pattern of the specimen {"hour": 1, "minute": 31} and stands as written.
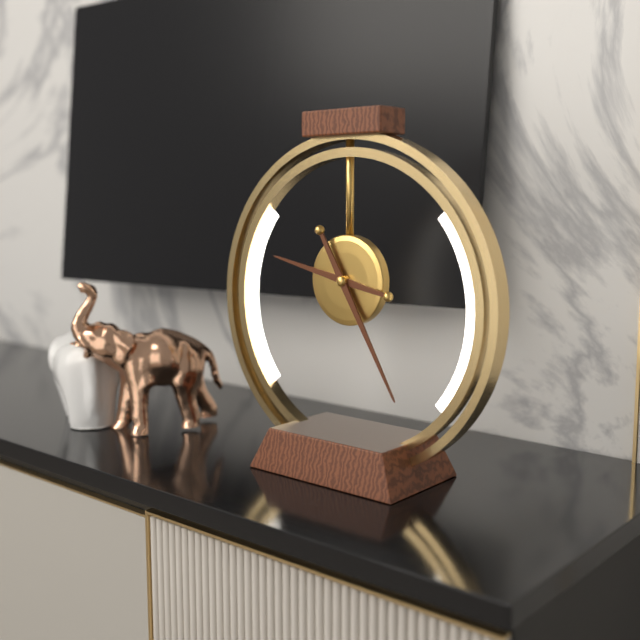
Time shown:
{"hour": 9, "minute": 25}
